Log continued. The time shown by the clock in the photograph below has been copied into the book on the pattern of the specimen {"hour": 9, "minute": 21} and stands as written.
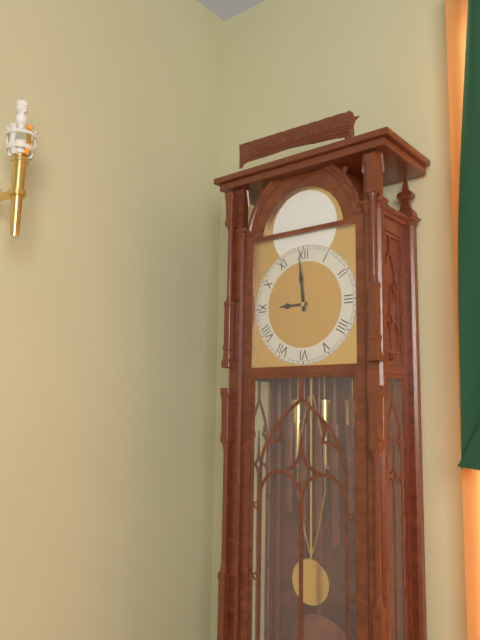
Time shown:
{"hour": 8, "minute": 59}
